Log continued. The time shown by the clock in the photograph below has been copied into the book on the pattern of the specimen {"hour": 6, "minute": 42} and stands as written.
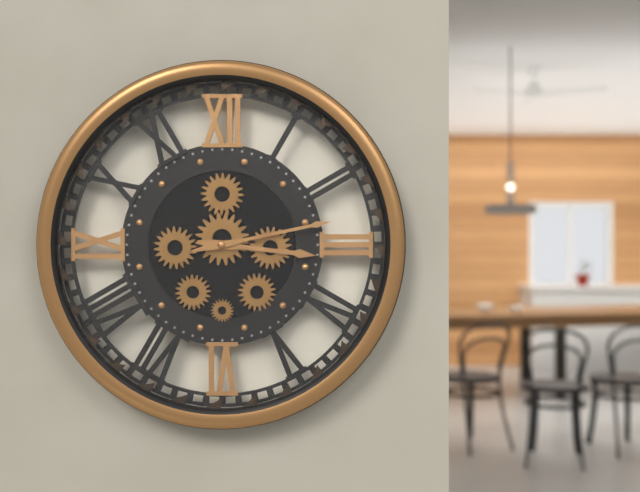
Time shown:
{"hour": 3, "minute": 13}
